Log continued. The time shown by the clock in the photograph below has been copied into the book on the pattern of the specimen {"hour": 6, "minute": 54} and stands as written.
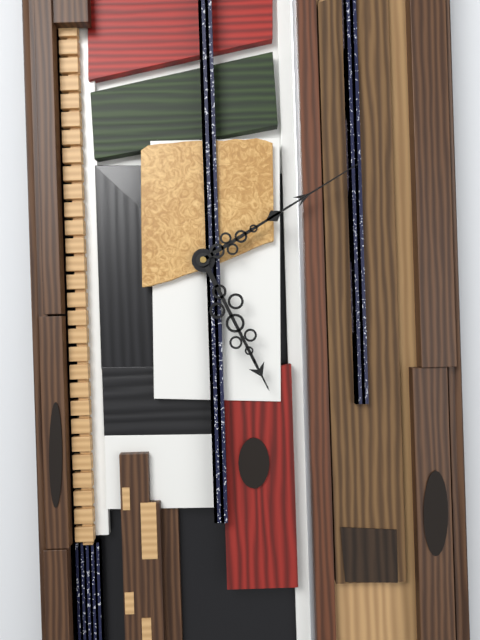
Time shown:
{"hour": 5, "minute": 10}
